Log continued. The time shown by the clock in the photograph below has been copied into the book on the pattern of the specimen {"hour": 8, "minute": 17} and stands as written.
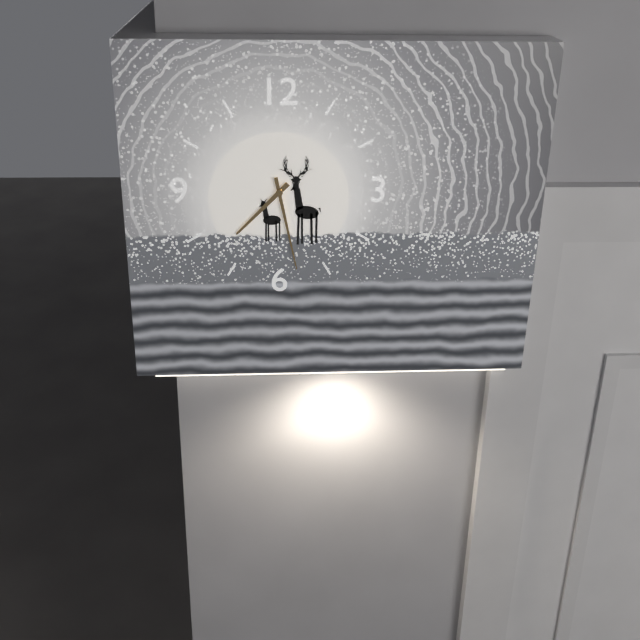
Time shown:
{"hour": 7, "minute": 28}
